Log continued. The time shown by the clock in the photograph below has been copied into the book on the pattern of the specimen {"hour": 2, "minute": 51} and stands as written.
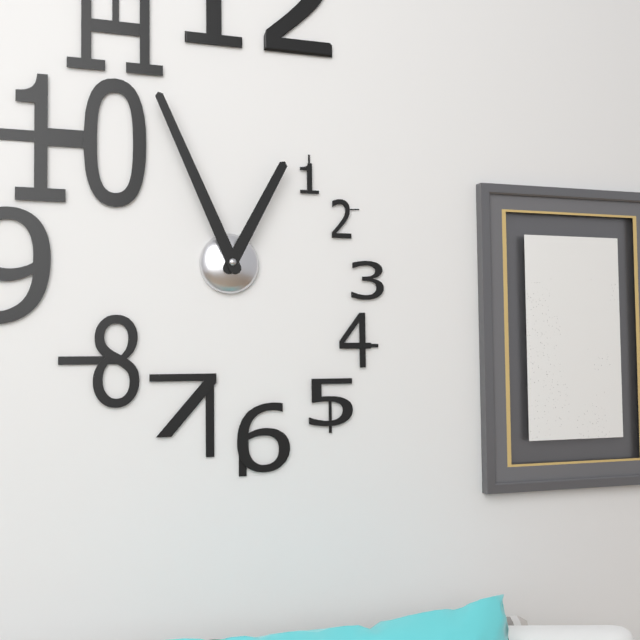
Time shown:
{"hour": 12, "minute": 56}
